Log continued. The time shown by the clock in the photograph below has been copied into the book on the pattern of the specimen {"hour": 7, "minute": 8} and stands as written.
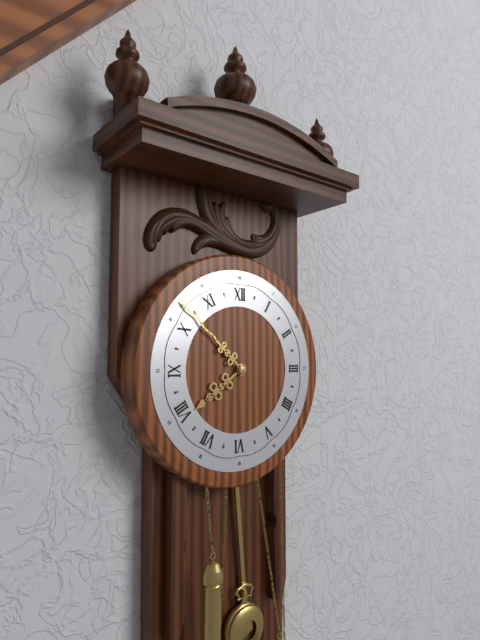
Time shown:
{"hour": 7, "minute": 52}
